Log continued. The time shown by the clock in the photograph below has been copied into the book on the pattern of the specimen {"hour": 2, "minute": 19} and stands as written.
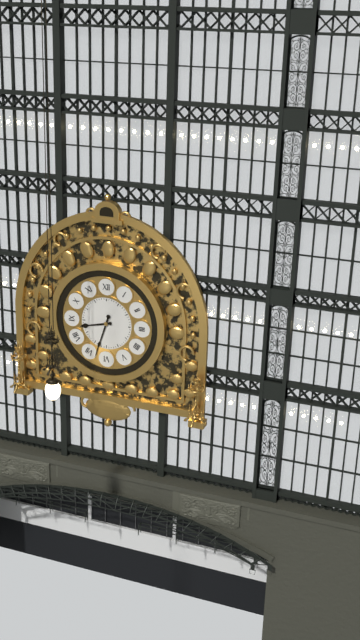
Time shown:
{"hour": 8, "minute": 33}
